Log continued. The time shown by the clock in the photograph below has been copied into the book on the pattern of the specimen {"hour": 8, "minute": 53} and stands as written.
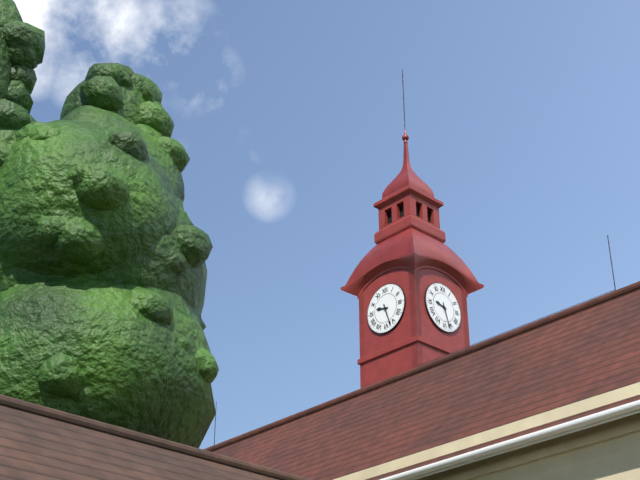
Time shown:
{"hour": 9, "minute": 27}
